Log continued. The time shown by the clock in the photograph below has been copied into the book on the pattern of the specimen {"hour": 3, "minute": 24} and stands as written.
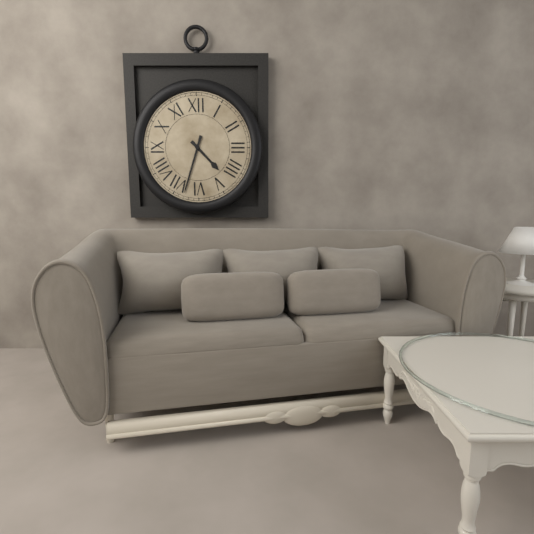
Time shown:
{"hour": 4, "minute": 33}
